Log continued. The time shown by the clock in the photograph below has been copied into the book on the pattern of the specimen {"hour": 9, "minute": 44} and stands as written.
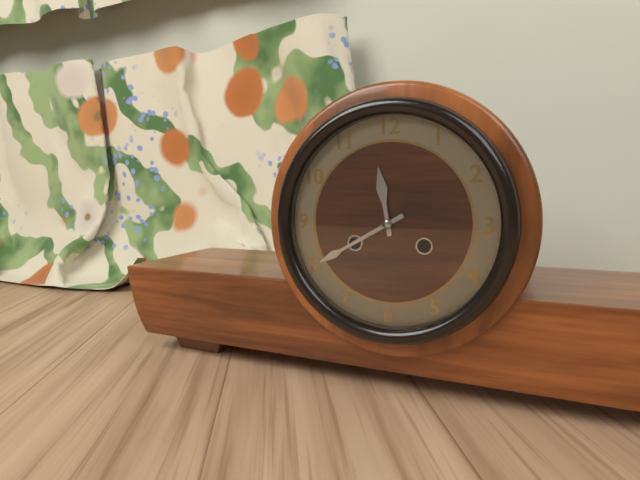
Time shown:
{"hour": 11, "minute": 40}
